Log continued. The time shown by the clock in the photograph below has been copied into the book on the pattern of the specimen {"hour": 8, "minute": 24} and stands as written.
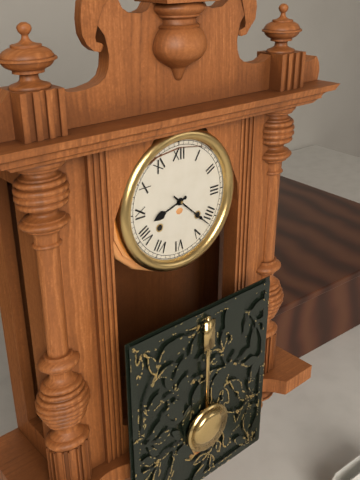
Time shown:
{"hour": 8, "minute": 22}
